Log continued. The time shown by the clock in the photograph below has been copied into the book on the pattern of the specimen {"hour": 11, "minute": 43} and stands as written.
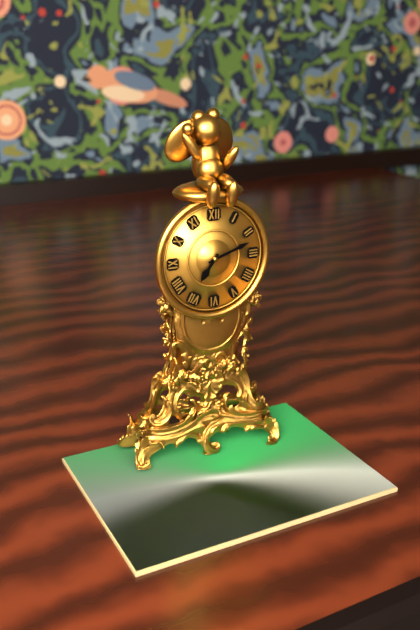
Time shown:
{"hour": 7, "minute": 12}
